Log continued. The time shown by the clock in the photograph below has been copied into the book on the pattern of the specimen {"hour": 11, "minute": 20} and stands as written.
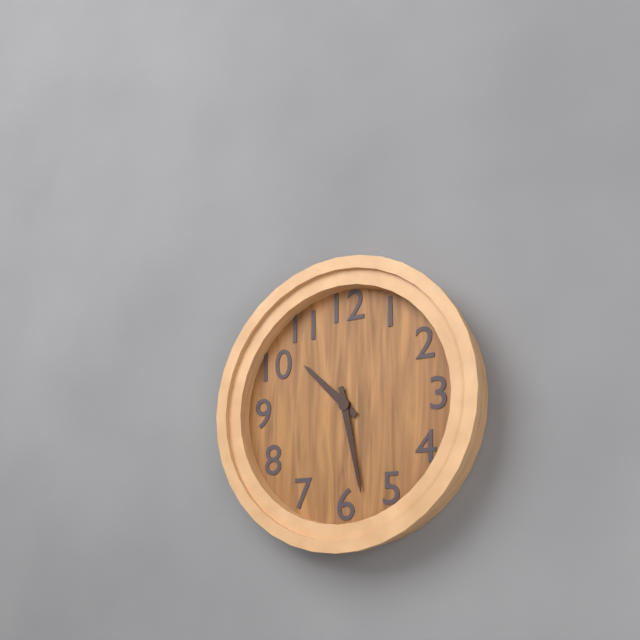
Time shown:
{"hour": 10, "minute": 28}
